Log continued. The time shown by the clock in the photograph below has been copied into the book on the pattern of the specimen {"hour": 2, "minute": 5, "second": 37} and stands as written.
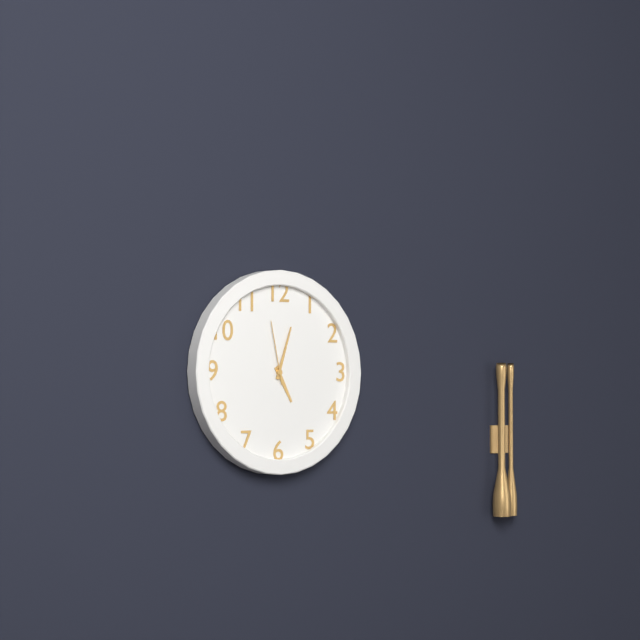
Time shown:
{"hour": 5, "minute": 3, "second": 58}
